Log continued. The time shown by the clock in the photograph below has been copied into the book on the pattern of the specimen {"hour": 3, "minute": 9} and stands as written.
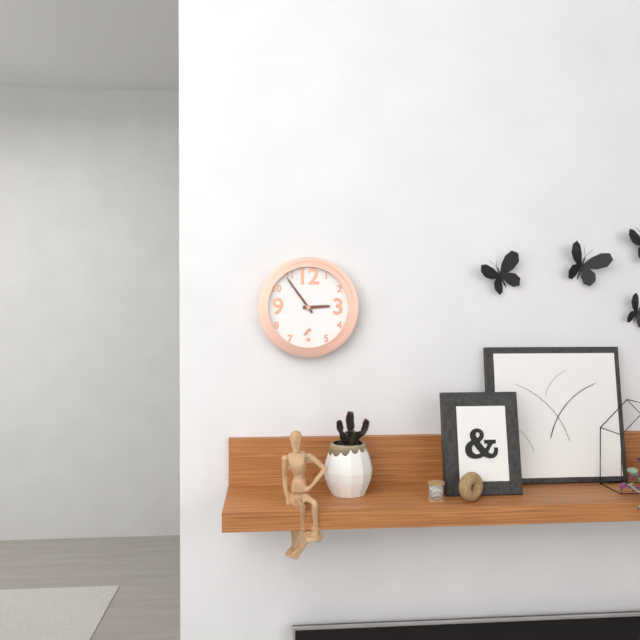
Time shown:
{"hour": 2, "minute": 54}
